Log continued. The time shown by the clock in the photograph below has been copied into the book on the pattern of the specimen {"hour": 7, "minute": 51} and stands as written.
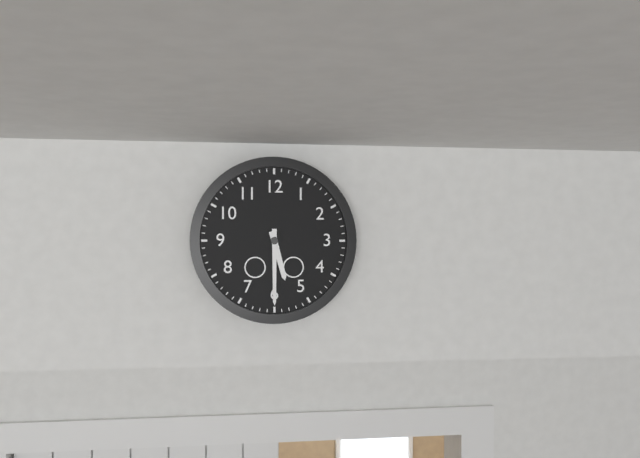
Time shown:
{"hour": 5, "minute": 30}
